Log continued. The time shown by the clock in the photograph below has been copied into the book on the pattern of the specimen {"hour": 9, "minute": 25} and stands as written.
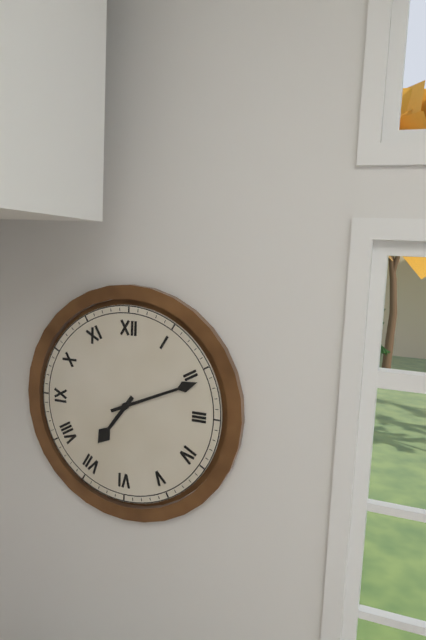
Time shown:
{"hour": 7, "minute": 11}
